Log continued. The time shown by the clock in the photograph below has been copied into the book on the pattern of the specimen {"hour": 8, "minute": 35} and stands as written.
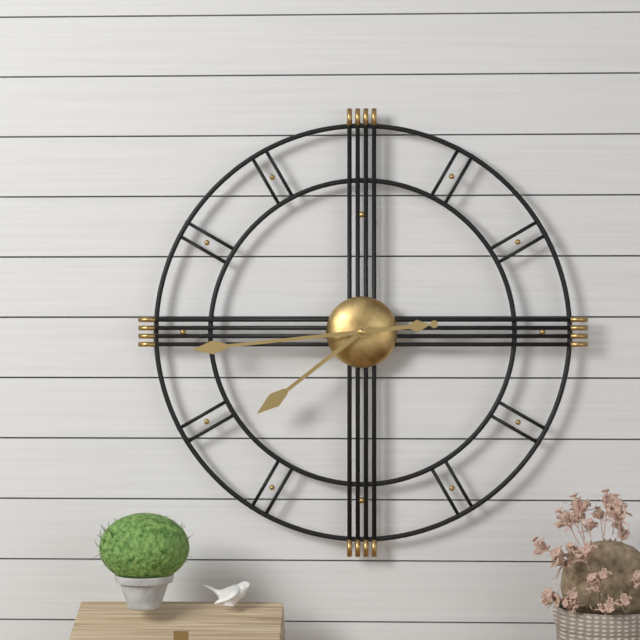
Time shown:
{"hour": 7, "minute": 44}
